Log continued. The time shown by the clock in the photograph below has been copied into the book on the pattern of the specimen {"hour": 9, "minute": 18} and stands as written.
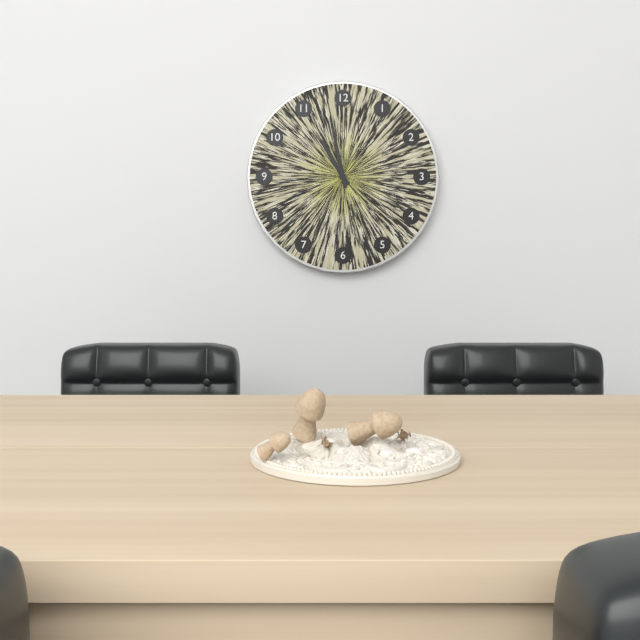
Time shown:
{"hour": 10, "minute": 58}
